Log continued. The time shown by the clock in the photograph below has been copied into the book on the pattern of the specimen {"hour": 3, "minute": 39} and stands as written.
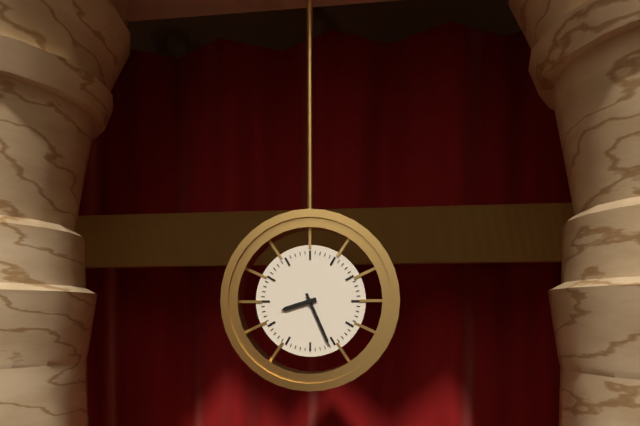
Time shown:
{"hour": 8, "minute": 26}
